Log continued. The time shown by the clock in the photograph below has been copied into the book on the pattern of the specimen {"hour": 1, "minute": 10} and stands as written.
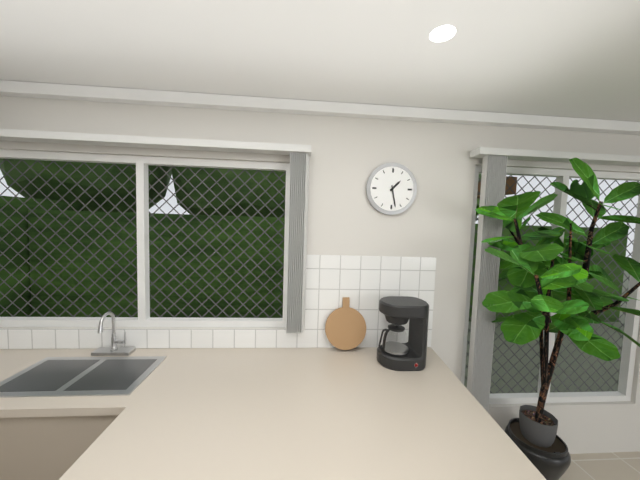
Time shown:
{"hour": 1, "minute": 28}
